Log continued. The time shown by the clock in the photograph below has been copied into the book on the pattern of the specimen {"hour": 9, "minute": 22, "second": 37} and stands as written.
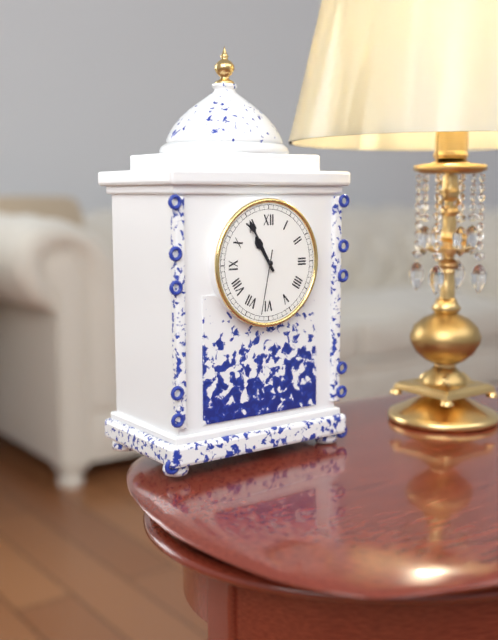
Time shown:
{"hour": 10, "minute": 55, "second": 32}
